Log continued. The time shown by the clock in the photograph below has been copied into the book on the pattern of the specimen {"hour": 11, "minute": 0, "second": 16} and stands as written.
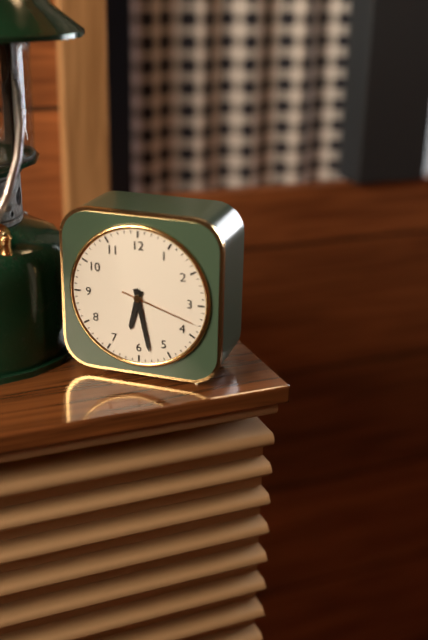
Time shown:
{"hour": 6, "minute": 28, "second": 18}
